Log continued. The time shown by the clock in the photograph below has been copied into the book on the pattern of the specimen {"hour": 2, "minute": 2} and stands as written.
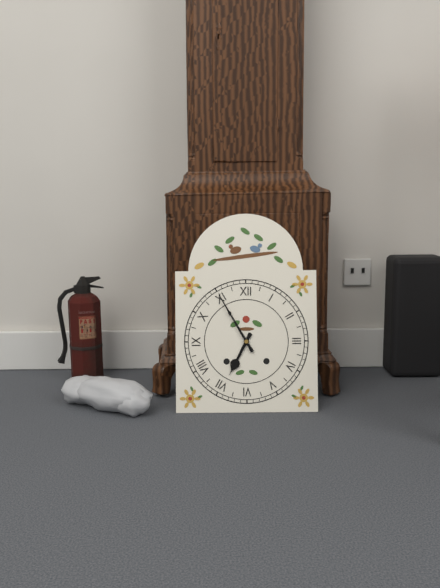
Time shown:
{"hour": 6, "minute": 55}
